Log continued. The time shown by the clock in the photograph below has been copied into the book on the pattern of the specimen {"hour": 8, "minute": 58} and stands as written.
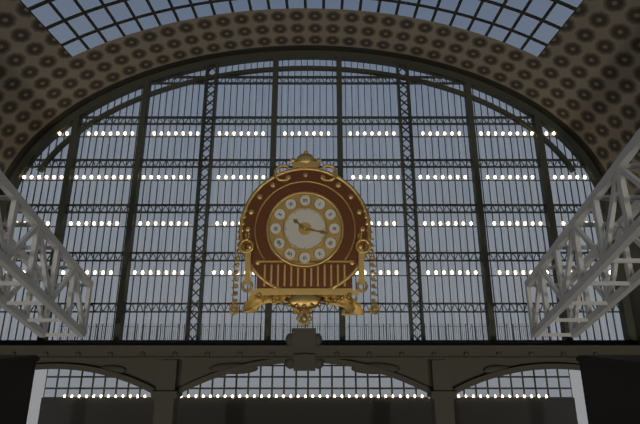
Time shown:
{"hour": 10, "minute": 17}
